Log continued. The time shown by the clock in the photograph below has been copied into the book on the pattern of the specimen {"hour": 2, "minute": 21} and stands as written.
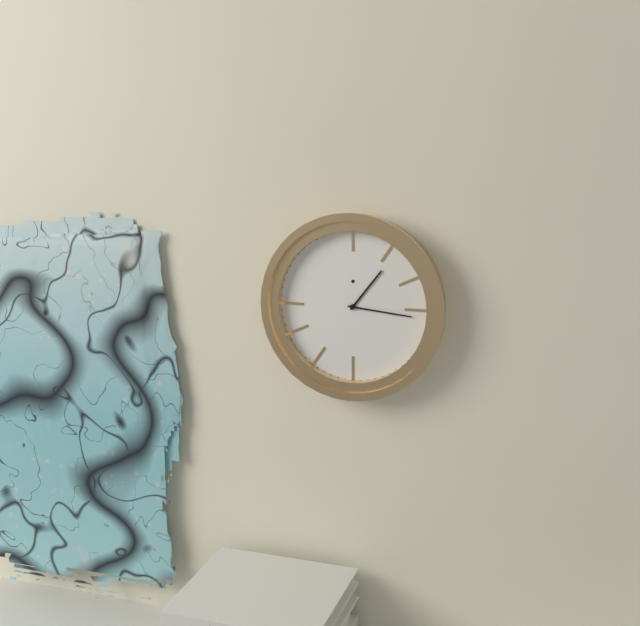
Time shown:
{"hour": 1, "minute": 16}
